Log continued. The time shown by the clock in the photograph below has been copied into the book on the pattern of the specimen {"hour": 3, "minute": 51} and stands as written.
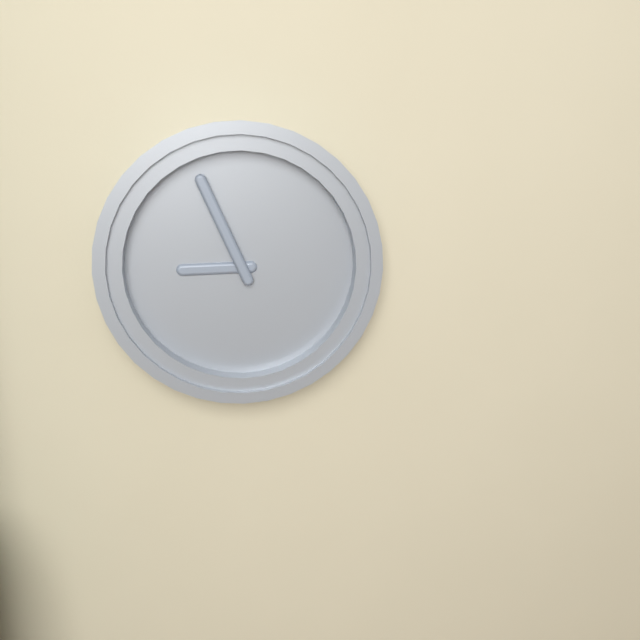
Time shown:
{"hour": 8, "minute": 56}
